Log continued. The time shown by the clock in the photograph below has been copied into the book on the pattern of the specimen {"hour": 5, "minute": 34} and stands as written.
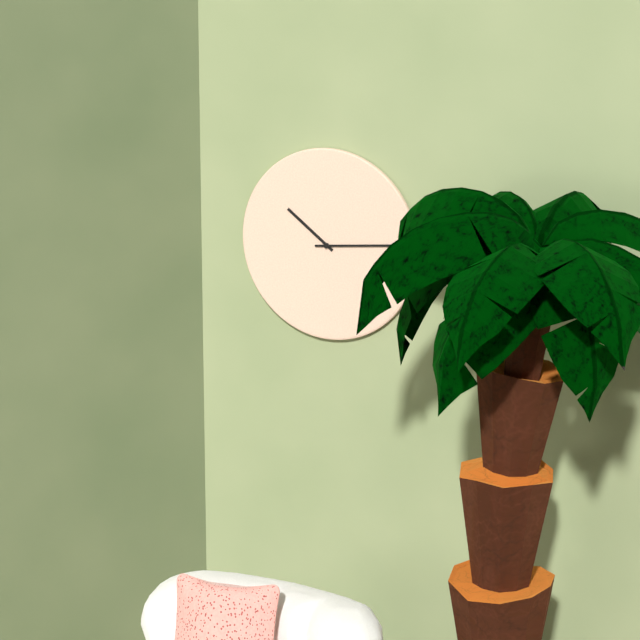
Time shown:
{"hour": 10, "minute": 14}
